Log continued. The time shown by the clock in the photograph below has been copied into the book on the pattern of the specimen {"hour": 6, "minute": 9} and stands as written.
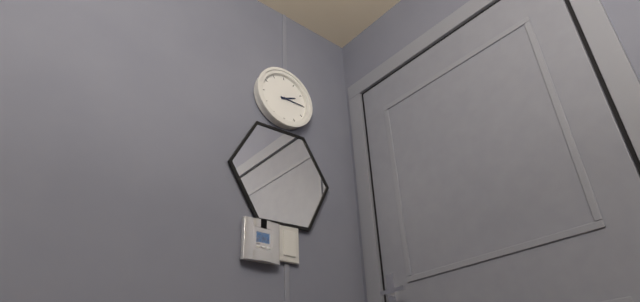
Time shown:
{"hour": 2, "minute": 15}
